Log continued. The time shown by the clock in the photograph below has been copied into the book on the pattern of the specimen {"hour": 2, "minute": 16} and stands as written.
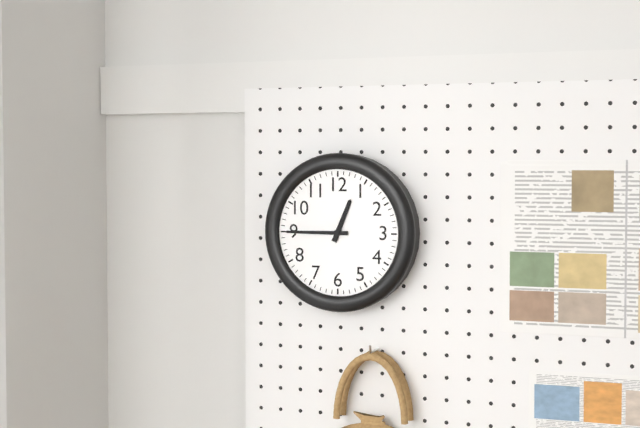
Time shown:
{"hour": 12, "minute": 45}
